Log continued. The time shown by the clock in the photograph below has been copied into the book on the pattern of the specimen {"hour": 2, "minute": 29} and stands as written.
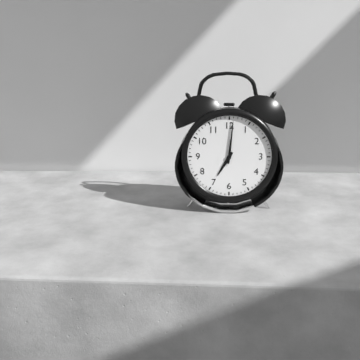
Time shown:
{"hour": 7, "minute": 1}
